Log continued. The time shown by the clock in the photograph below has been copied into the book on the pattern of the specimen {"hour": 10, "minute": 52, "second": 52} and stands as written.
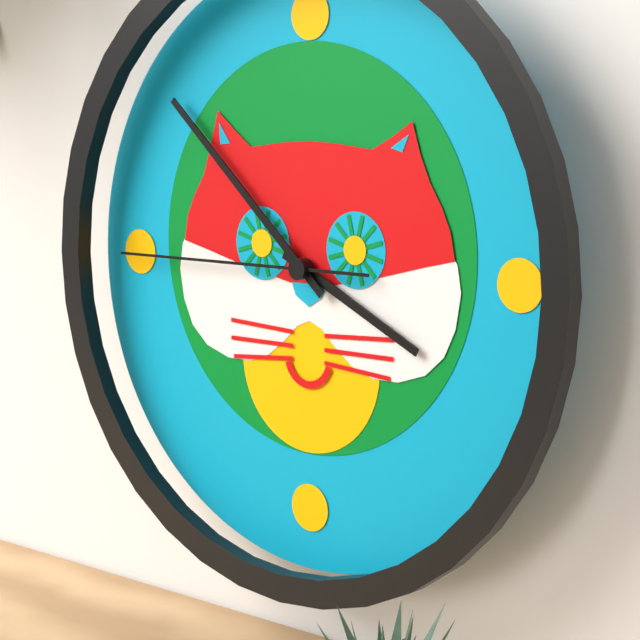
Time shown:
{"hour": 3, "minute": 52, "second": 45}
